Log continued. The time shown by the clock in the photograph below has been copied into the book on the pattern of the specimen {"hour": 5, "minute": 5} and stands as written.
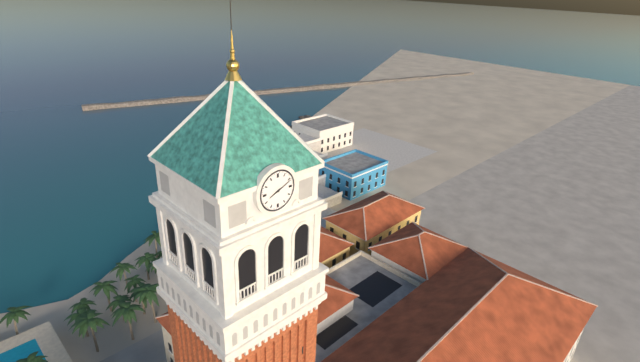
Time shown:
{"hour": 8, "minute": 11}
